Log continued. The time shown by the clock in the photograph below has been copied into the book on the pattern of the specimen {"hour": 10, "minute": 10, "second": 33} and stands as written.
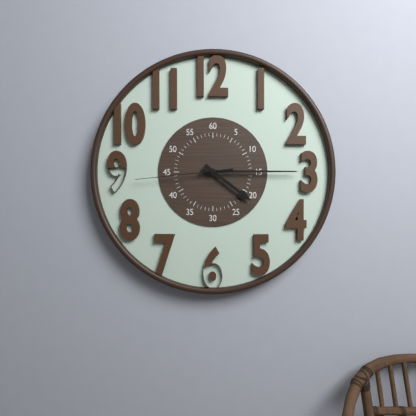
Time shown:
{"hour": 4, "minute": 15, "second": 44}
